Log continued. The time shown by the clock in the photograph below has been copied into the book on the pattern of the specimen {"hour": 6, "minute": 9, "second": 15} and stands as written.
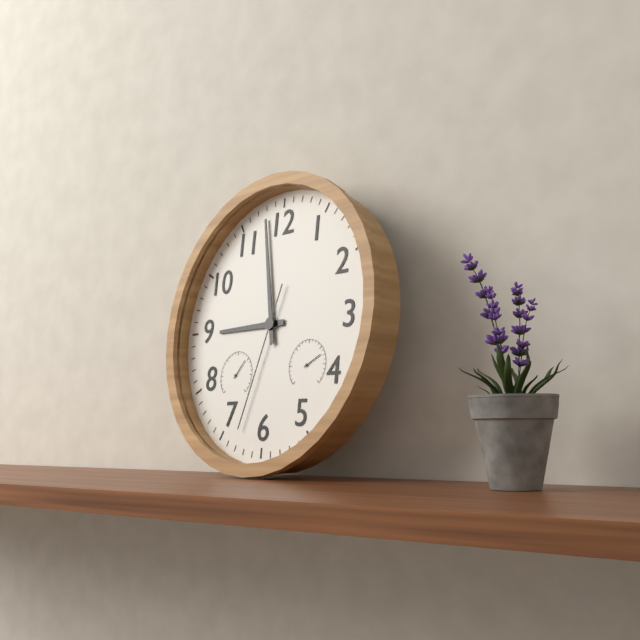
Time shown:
{"hour": 8, "minute": 58, "second": 33}
